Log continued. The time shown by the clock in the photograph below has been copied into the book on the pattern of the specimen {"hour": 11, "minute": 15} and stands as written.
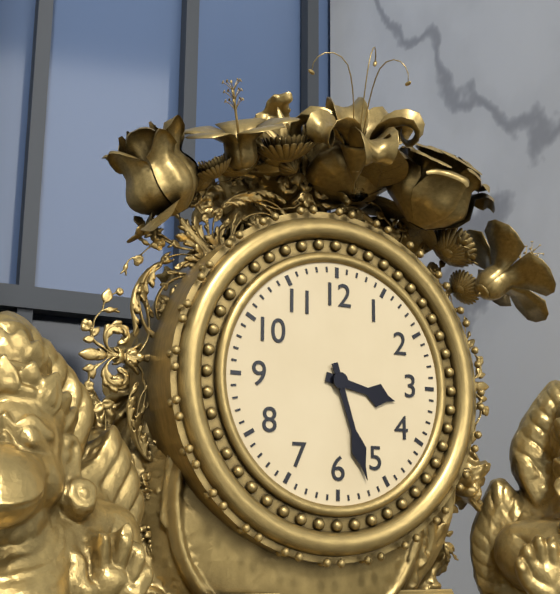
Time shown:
{"hour": 3, "minute": 27}
